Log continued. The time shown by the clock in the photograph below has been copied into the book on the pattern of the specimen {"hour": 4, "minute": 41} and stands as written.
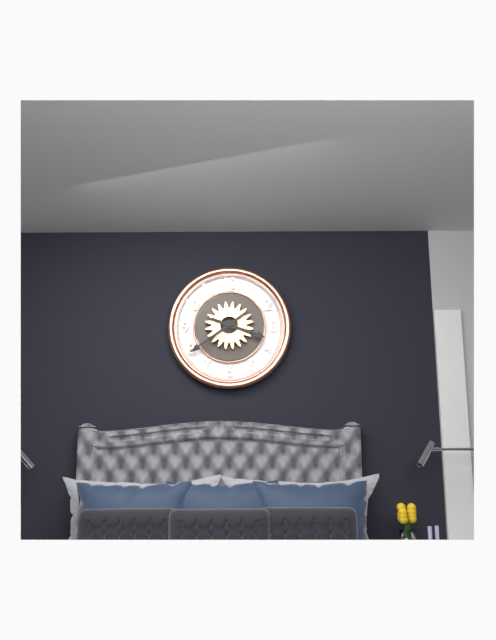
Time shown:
{"hour": 3, "minute": 39}
